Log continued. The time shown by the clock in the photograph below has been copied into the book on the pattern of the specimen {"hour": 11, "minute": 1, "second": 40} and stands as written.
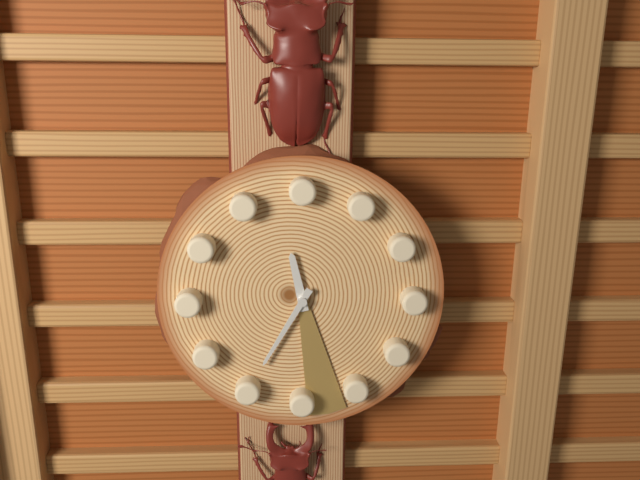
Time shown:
{"hour": 11, "minute": 35, "second": 28}
